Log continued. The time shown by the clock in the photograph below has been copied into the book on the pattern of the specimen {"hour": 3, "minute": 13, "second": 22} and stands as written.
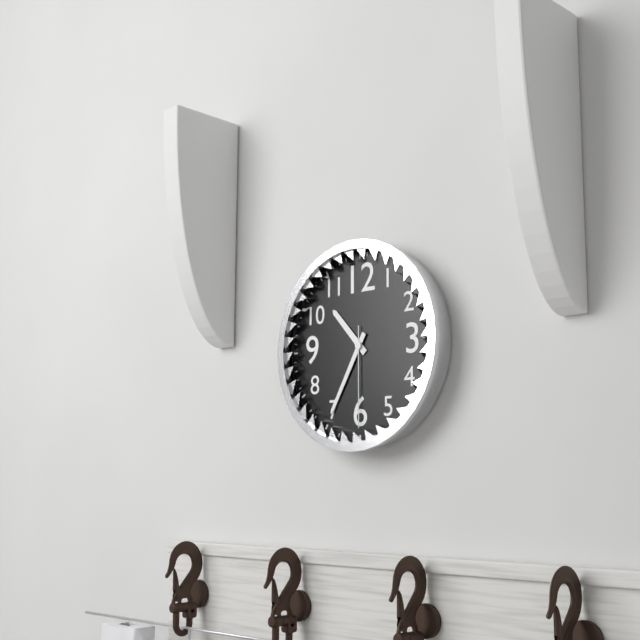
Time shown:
{"hour": 10, "minute": 35, "second": 30}
